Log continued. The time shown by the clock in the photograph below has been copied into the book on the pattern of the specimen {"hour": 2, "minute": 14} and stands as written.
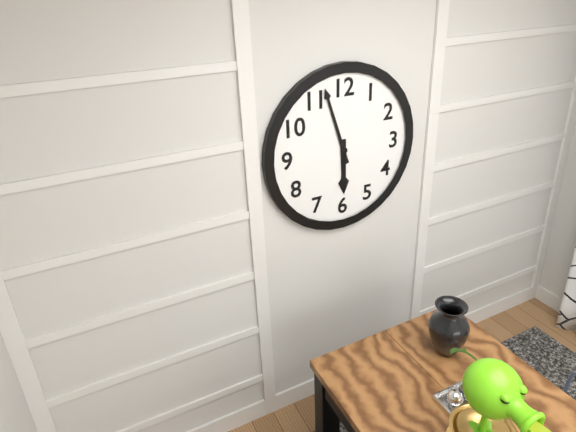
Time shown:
{"hour": 5, "minute": 57}
